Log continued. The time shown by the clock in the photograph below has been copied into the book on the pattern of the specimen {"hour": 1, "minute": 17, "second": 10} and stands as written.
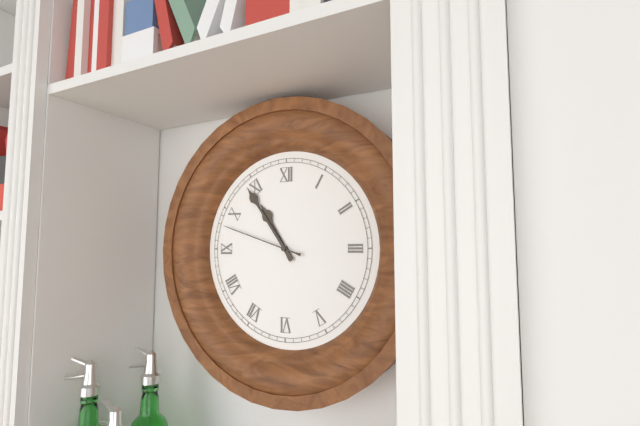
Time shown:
{"hour": 10, "minute": 54, "second": 48}
